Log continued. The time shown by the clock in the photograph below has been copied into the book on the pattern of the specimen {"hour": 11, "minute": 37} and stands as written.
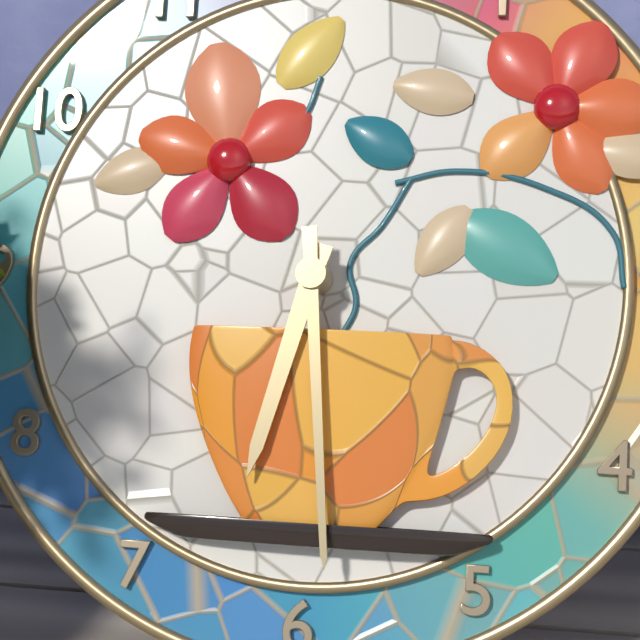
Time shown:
{"hour": 6, "minute": 29}
